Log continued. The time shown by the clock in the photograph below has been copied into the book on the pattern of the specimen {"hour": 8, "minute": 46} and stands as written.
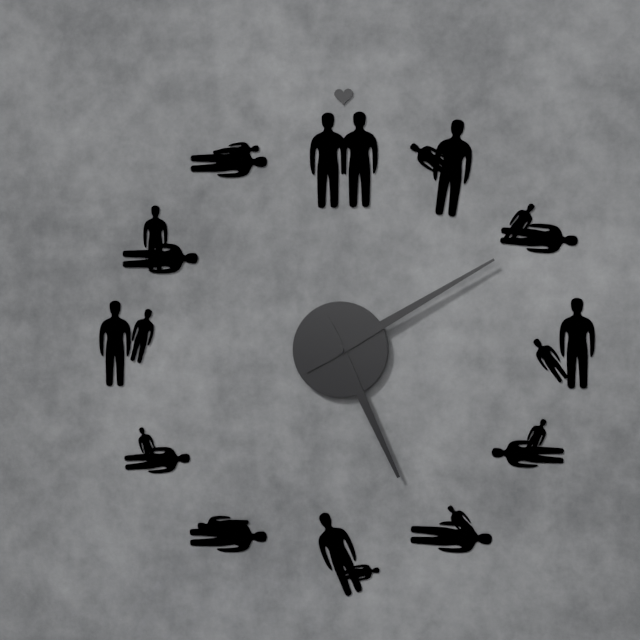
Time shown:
{"hour": 5, "minute": 10}
